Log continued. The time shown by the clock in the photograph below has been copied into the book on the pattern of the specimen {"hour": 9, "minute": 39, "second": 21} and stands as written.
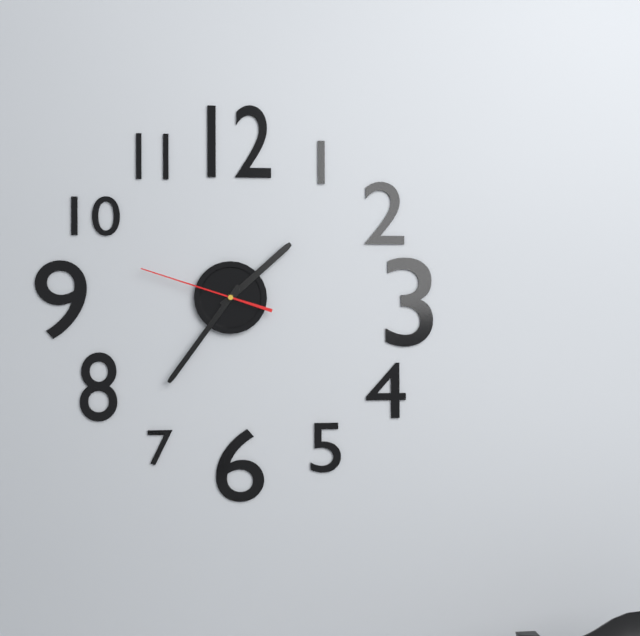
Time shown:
{"hour": 1, "minute": 36, "second": 48}
